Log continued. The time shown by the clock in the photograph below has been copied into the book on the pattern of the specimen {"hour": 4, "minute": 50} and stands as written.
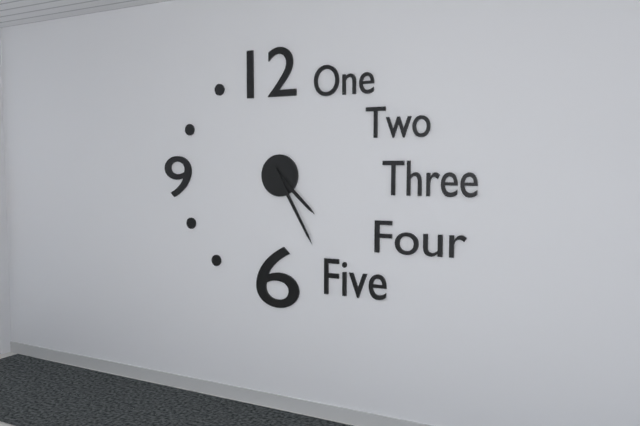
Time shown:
{"hour": 4, "minute": 25}
